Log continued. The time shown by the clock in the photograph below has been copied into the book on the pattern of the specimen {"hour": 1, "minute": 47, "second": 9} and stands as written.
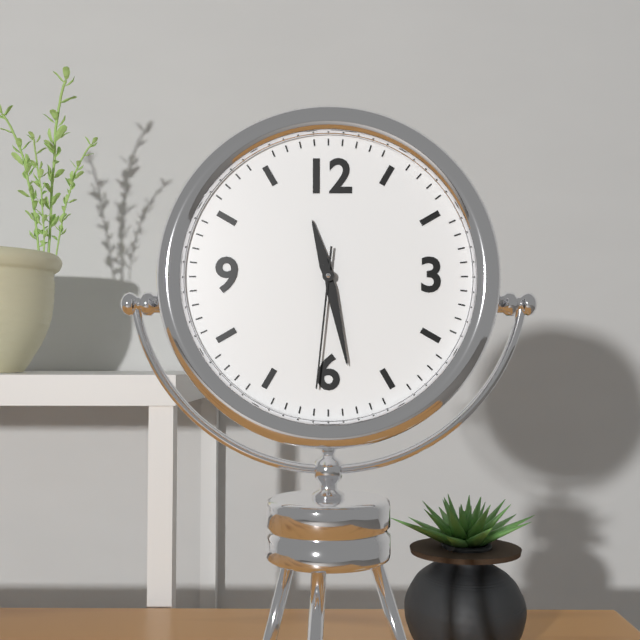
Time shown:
{"hour": 11, "minute": 28, "second": 31}
